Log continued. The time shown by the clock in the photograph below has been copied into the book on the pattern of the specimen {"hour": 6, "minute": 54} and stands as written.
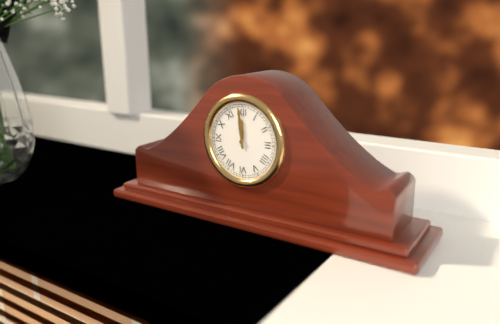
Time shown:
{"hour": 11, "minute": 59}
